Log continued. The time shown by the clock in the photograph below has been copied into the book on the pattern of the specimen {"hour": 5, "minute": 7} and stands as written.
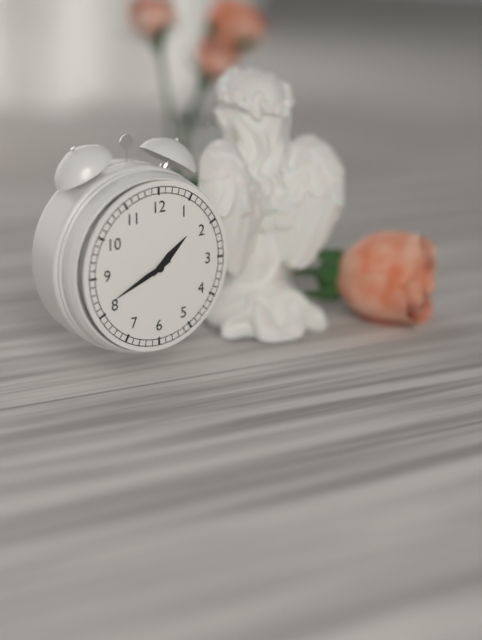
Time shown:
{"hour": 1, "minute": 41}
